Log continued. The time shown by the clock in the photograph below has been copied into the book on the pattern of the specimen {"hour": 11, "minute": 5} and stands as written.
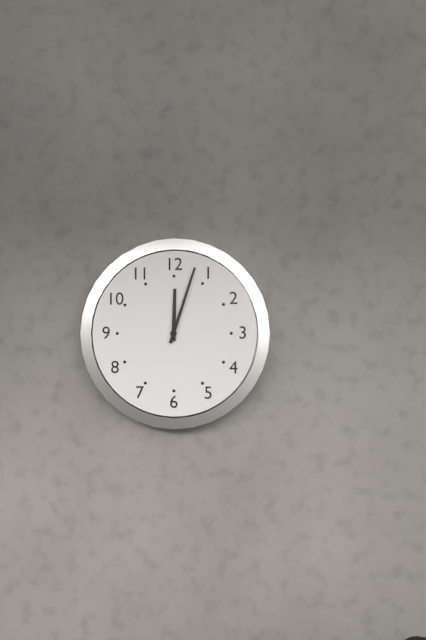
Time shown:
{"hour": 12, "minute": 3}
